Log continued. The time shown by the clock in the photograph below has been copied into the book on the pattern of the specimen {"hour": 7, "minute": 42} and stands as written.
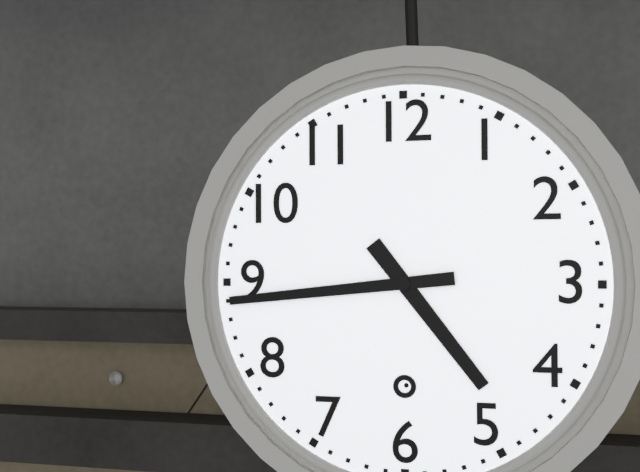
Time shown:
{"hour": 4, "minute": 44}
